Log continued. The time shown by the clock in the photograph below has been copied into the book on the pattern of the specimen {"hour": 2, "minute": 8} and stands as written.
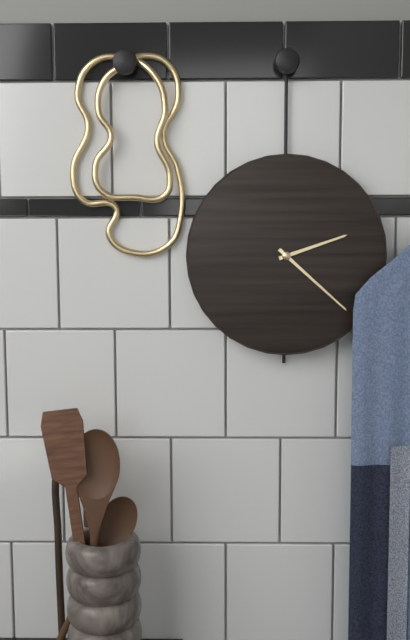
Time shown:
{"hour": 2, "minute": 22}
